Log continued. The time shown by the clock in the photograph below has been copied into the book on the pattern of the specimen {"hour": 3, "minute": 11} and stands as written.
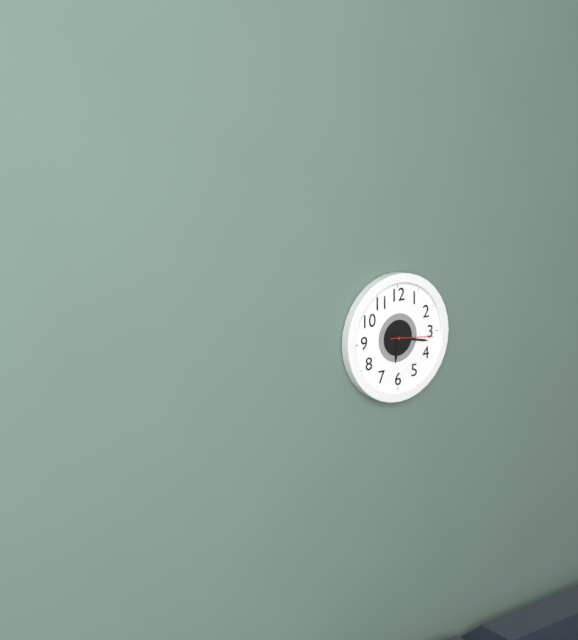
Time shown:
{"hour": 6, "minute": 17}
